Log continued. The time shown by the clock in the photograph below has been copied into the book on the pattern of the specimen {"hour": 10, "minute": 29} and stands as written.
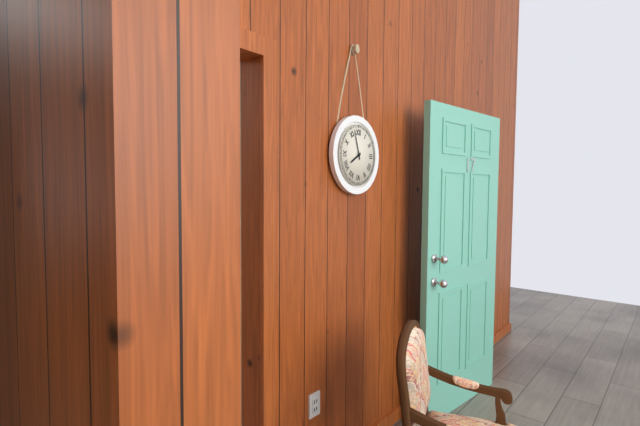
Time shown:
{"hour": 7, "minute": 57}
